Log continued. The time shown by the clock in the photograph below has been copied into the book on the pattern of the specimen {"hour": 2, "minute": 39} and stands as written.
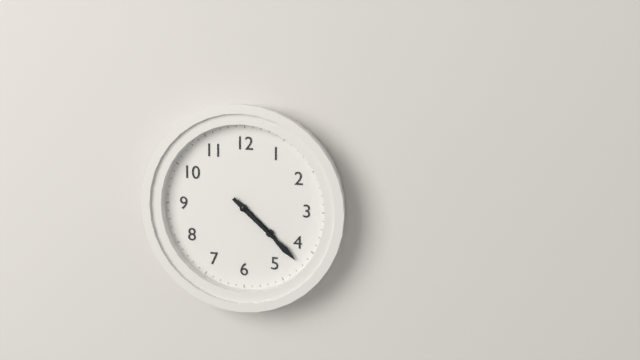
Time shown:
{"hour": 4, "minute": 22}
